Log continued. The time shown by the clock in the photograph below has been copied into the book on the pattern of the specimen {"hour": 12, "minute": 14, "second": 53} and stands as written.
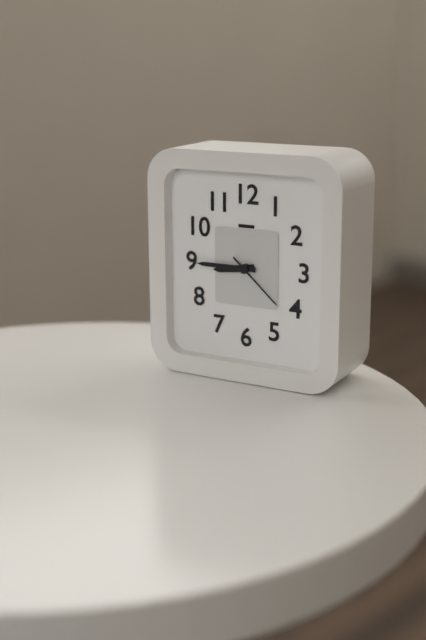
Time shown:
{"hour": 8, "minute": 45, "second": 22}
